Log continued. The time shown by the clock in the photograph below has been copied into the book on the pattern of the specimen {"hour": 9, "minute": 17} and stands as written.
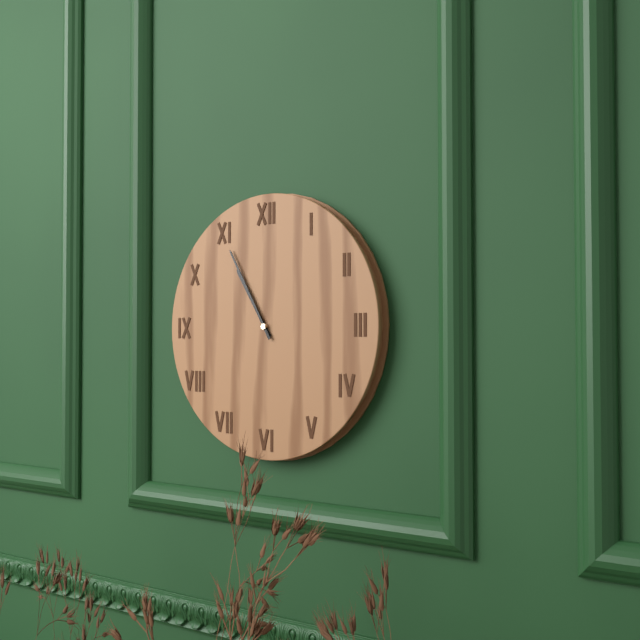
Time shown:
{"hour": 10, "minute": 55}
